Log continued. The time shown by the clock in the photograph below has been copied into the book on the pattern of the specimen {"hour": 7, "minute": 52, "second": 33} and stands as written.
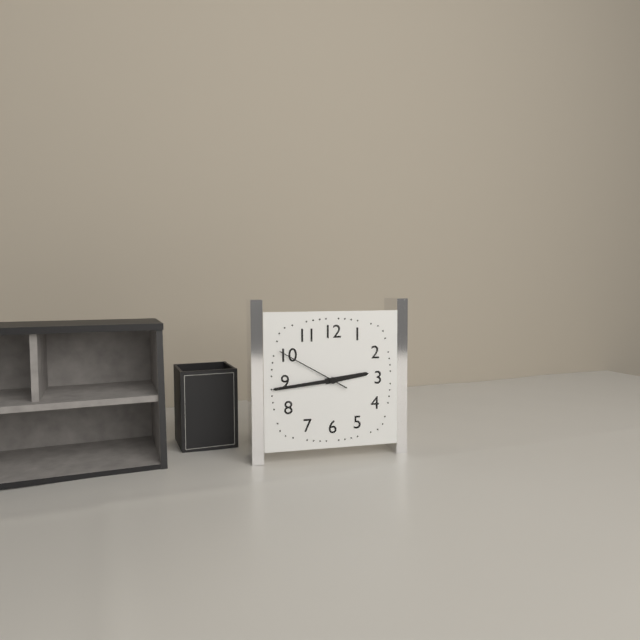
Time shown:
{"hour": 2, "minute": 44, "second": 50}
